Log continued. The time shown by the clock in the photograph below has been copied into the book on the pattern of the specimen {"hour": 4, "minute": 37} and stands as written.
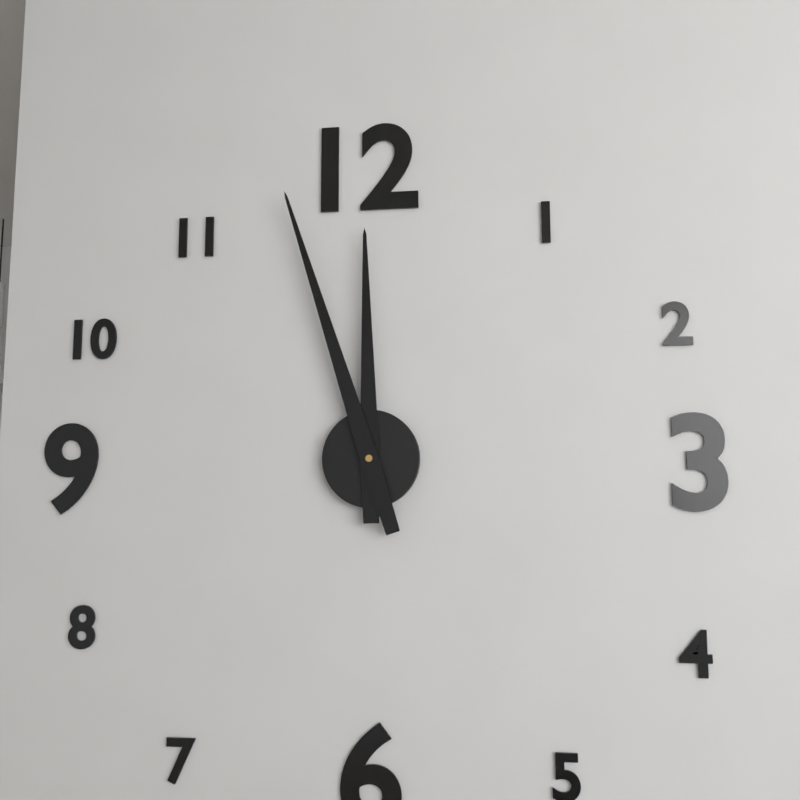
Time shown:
{"hour": 11, "minute": 57}
